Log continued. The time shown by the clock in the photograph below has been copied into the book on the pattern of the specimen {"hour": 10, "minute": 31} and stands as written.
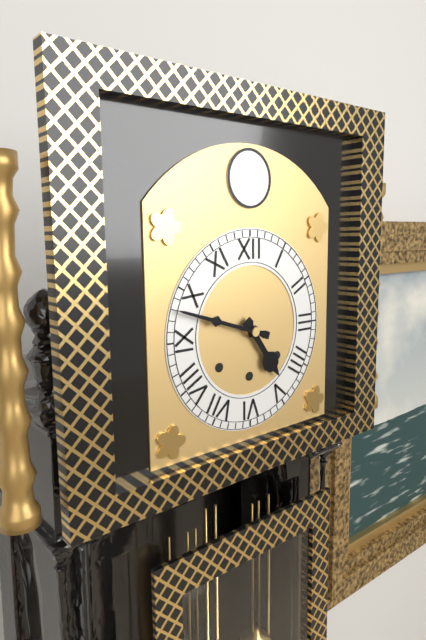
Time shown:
{"hour": 4, "minute": 48}
